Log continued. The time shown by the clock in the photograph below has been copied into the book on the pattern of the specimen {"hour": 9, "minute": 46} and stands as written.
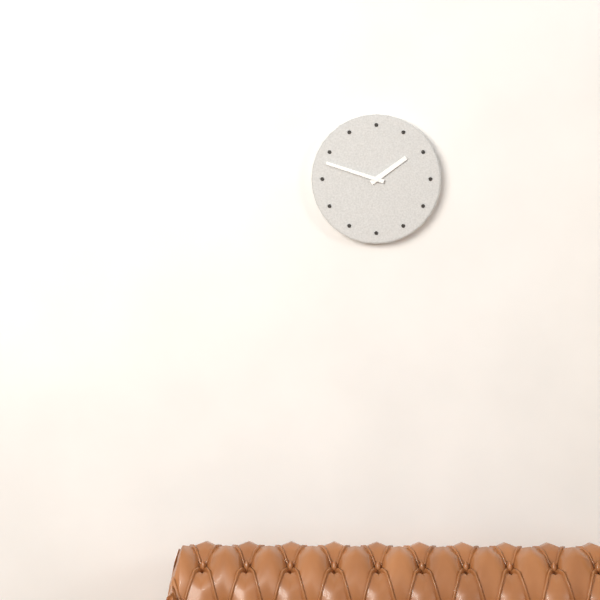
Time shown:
{"hour": 1, "minute": 48}
